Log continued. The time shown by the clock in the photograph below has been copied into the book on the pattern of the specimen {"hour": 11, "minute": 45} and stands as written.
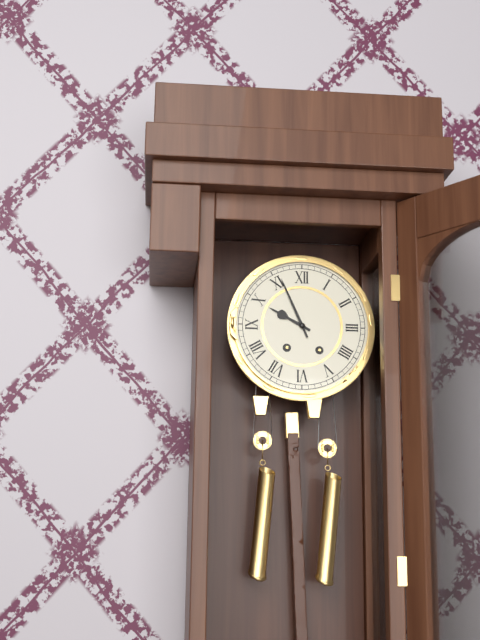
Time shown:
{"hour": 9, "minute": 56}
